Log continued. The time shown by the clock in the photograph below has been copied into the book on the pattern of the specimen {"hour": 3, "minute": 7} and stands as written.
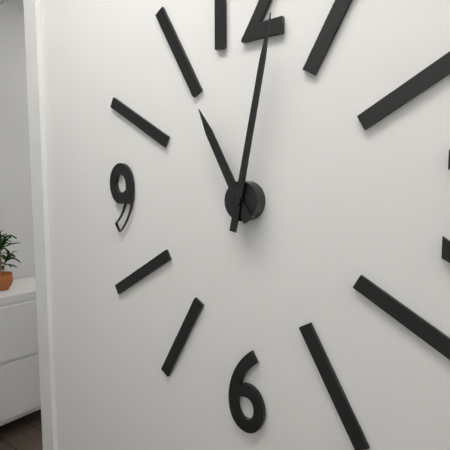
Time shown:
{"hour": 11, "minute": 2}
